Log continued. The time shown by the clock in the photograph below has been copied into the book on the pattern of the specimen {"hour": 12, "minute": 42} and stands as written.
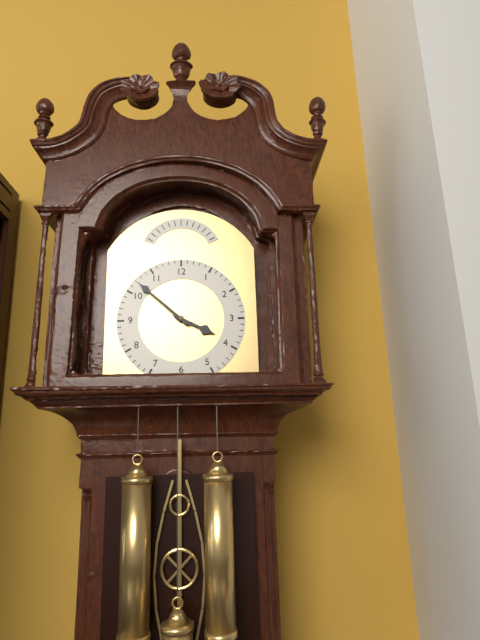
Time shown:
{"hour": 3, "minute": 52}
